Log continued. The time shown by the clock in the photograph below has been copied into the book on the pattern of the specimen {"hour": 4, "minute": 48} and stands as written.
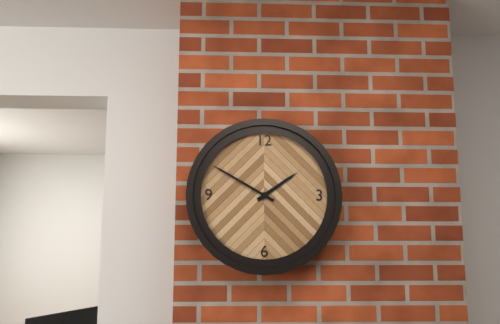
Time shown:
{"hour": 1, "minute": 50}
